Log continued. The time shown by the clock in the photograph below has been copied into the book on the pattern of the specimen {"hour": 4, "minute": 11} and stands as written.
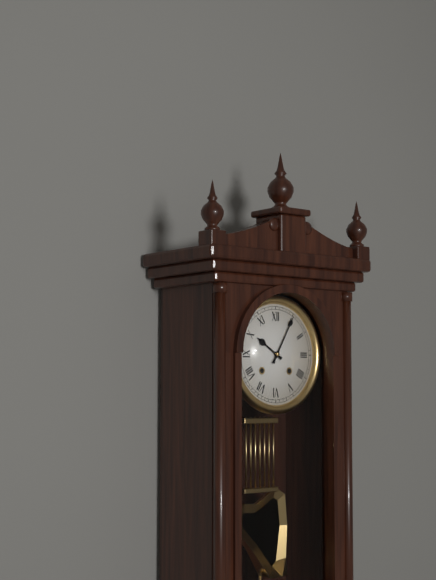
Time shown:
{"hour": 10, "minute": 5}
